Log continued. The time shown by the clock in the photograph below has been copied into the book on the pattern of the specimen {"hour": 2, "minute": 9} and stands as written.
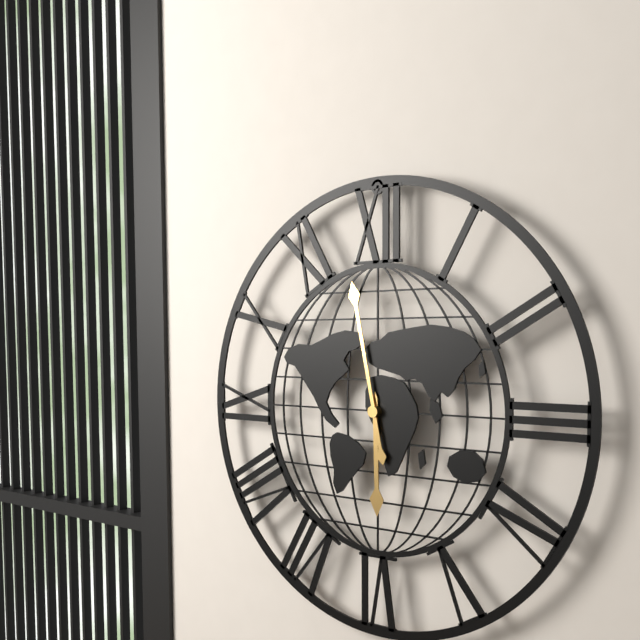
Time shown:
{"hour": 5, "minute": 58}
